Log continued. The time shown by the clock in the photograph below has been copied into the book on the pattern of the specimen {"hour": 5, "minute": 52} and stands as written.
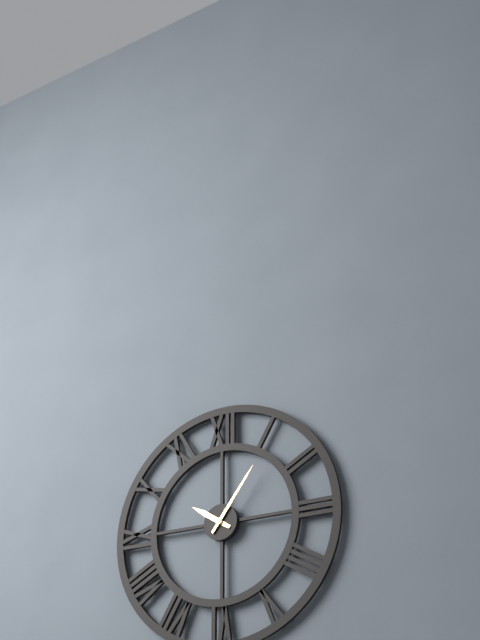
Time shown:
{"hour": 10, "minute": 6}
